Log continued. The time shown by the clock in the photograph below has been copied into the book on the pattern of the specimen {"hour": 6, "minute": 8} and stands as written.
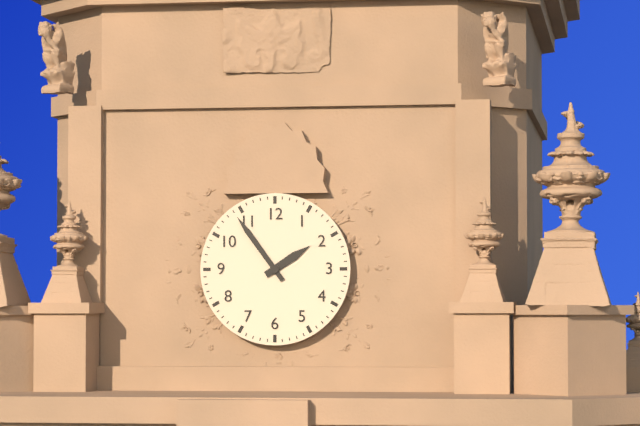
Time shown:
{"hour": 1, "minute": 54}
